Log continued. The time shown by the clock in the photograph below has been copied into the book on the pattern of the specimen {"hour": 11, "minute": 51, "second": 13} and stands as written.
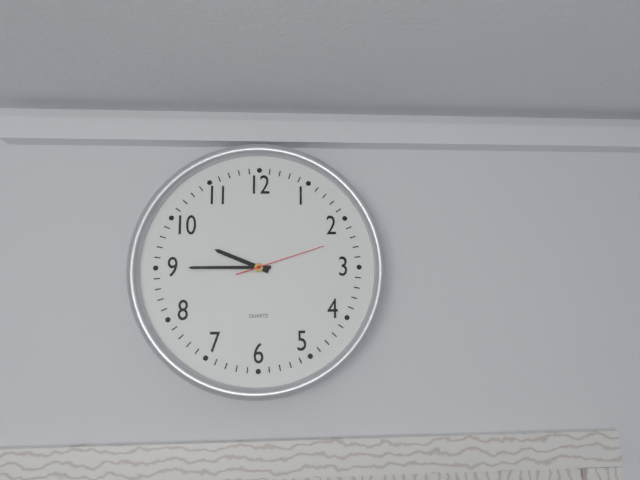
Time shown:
{"hour": 9, "minute": 45, "second": 12}
